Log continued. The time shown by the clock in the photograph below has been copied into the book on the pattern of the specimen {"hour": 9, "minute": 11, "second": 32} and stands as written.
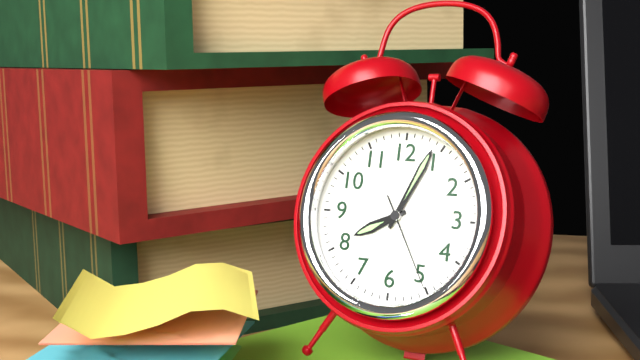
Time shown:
{"hour": 8, "minute": 4, "second": 25}
